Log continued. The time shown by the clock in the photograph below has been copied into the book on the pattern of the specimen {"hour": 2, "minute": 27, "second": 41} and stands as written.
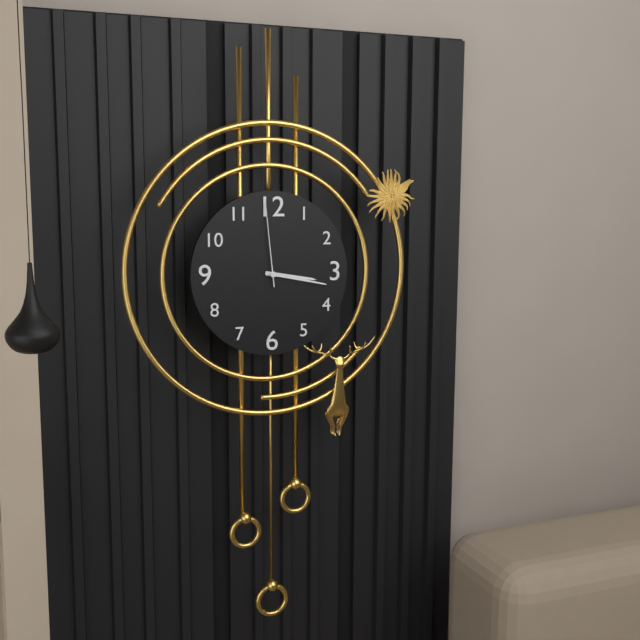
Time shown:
{"hour": 3, "minute": 17, "second": 59}
